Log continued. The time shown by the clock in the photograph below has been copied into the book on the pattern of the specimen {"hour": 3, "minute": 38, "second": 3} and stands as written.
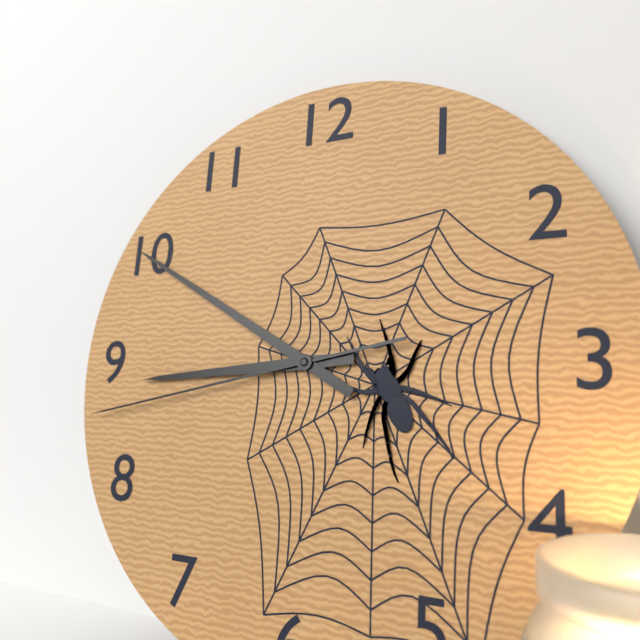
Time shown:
{"hour": 8, "minute": 50, "second": 43}
